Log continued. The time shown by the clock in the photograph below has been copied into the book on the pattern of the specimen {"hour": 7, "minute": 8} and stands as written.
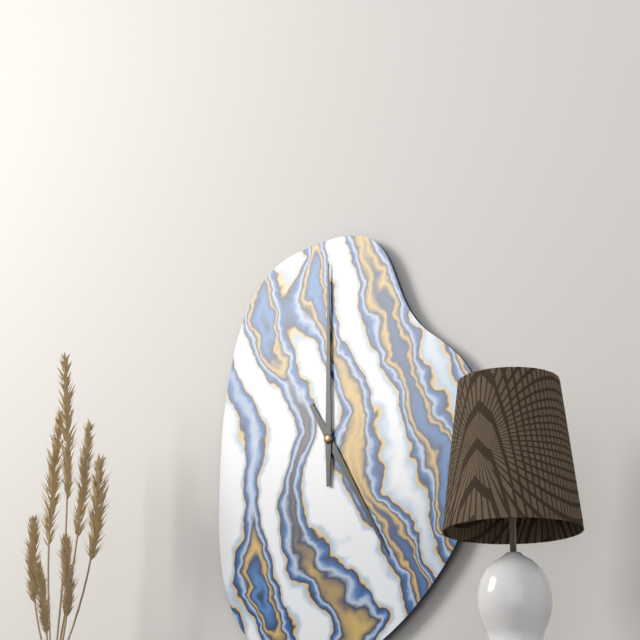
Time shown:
{"hour": 5, "minute": 0}
